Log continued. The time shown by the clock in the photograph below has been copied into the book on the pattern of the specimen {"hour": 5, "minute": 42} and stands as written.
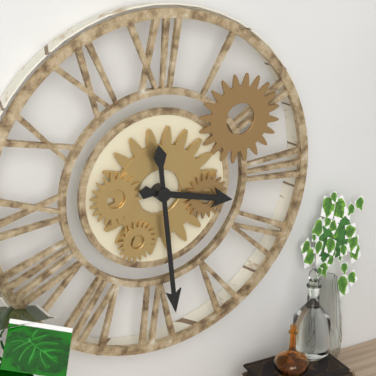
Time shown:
{"hour": 3, "minute": 29}
